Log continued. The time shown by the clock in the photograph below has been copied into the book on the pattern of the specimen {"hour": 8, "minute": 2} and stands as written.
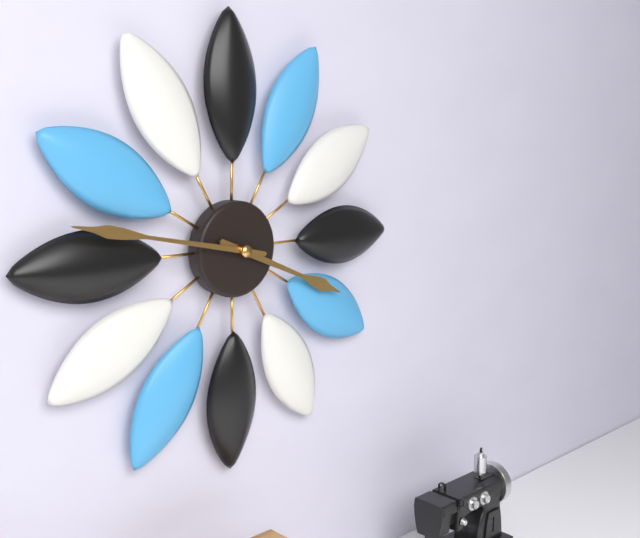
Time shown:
{"hour": 3, "minute": 47}
